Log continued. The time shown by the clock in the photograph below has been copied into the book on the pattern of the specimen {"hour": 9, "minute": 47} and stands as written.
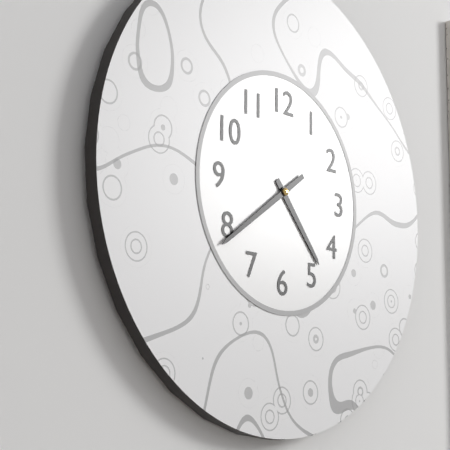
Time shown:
{"hour": 4, "minute": 39}
